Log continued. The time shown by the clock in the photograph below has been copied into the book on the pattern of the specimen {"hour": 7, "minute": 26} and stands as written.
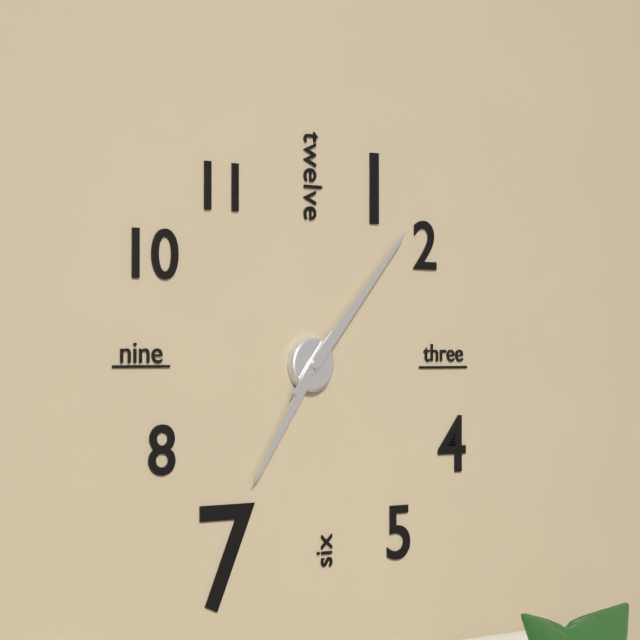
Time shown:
{"hour": 7, "minute": 7}
